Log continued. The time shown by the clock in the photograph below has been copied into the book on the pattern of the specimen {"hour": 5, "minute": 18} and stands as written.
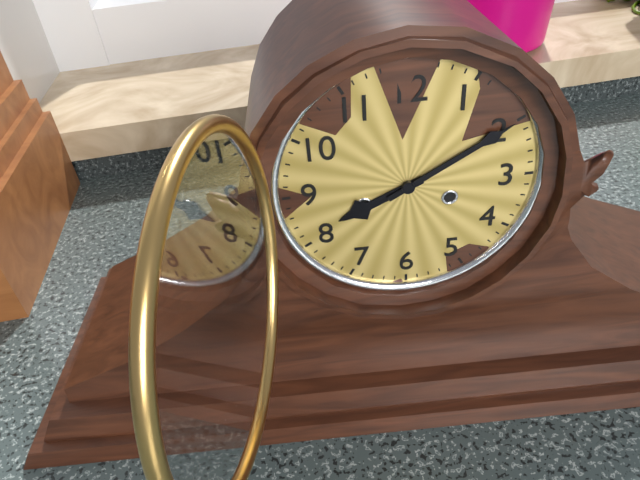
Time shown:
{"hour": 8, "minute": 10}
